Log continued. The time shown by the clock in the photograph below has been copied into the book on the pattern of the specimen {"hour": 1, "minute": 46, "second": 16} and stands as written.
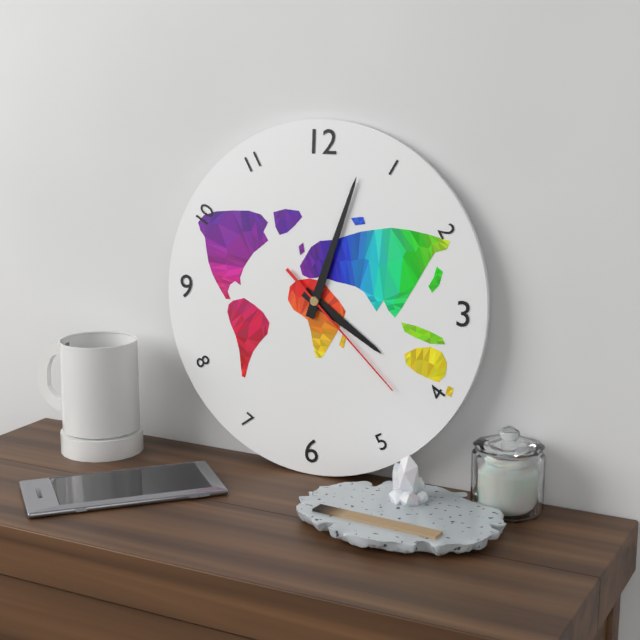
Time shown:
{"hour": 4, "minute": 3, "second": 22}
